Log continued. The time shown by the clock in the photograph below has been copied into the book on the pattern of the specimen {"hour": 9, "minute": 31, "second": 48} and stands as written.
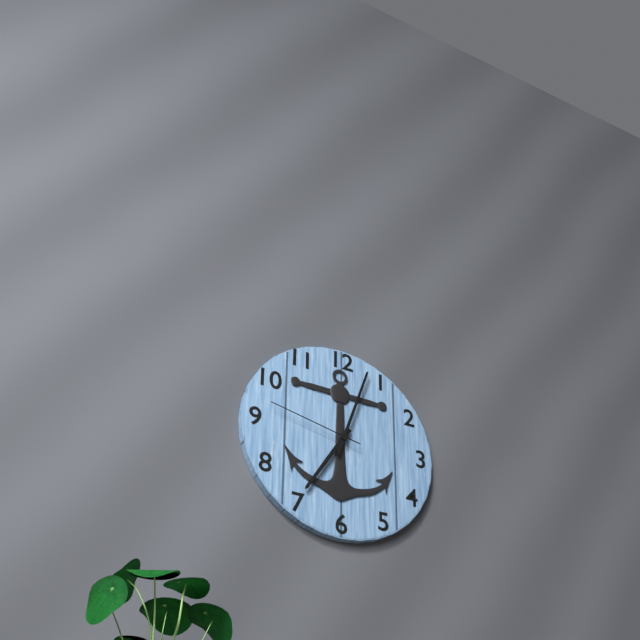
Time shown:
{"hour": 7, "minute": 3, "second": 47}
